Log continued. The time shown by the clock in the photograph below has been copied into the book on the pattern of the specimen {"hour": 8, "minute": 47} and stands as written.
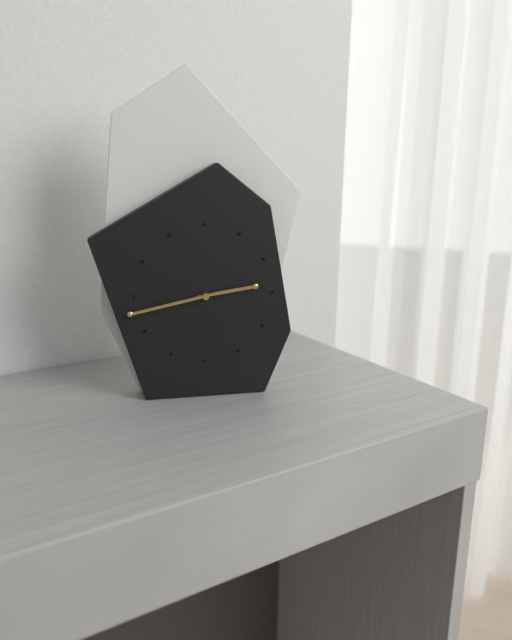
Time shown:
{"hour": 2, "minute": 43}
